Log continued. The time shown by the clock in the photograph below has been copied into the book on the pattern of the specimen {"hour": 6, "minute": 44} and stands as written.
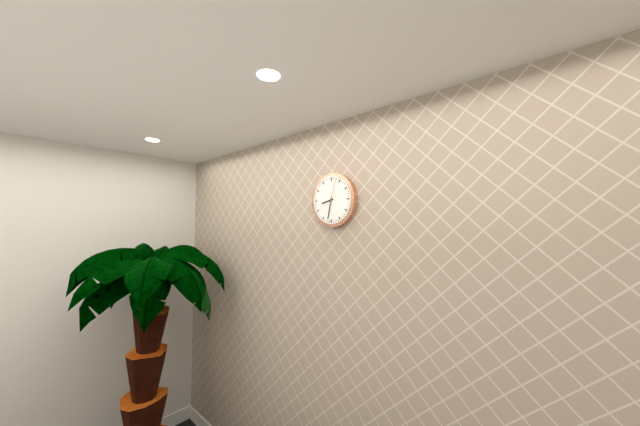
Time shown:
{"hour": 8, "minute": 32}
